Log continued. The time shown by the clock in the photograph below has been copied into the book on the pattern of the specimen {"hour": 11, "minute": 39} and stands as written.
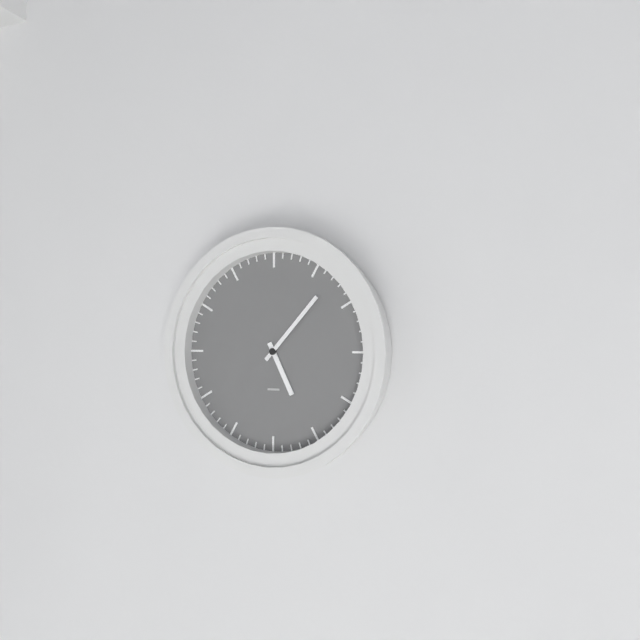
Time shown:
{"hour": 5, "minute": 7}
